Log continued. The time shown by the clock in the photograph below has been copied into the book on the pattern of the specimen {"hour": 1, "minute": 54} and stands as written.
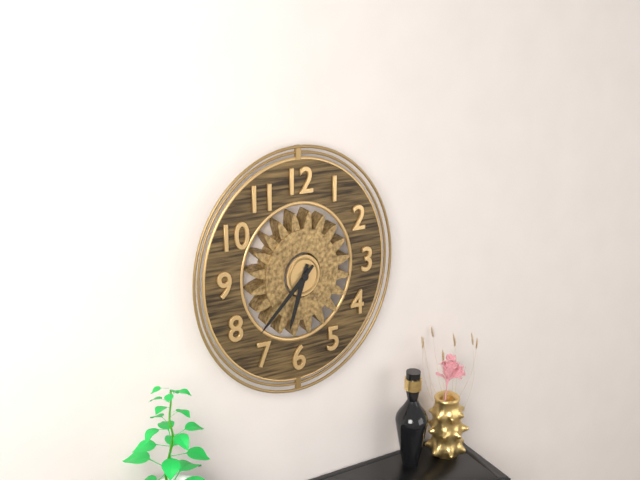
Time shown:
{"hour": 6, "minute": 38}
